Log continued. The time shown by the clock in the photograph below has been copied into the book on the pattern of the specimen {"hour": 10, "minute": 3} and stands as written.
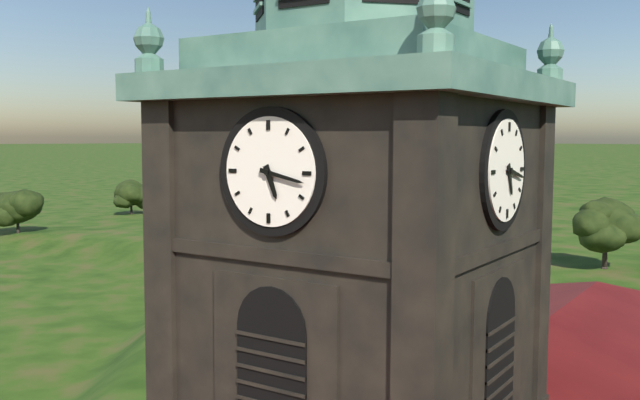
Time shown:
{"hour": 5, "minute": 17}
